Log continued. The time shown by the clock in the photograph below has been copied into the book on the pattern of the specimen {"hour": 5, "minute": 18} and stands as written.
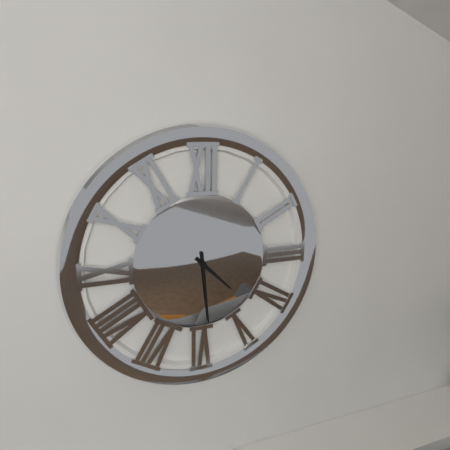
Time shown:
{"hour": 4, "minute": 29}
